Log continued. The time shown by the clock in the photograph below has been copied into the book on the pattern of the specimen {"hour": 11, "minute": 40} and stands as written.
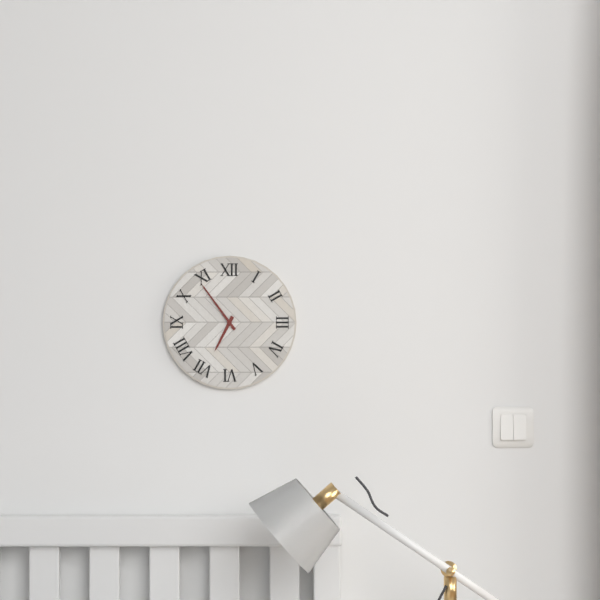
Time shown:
{"hour": 6, "minute": 54}
